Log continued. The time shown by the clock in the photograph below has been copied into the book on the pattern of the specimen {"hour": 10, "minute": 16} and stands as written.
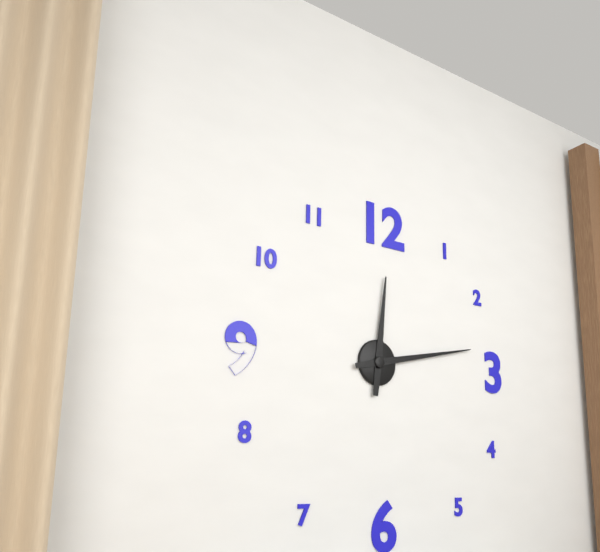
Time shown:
{"hour": 12, "minute": 13}
